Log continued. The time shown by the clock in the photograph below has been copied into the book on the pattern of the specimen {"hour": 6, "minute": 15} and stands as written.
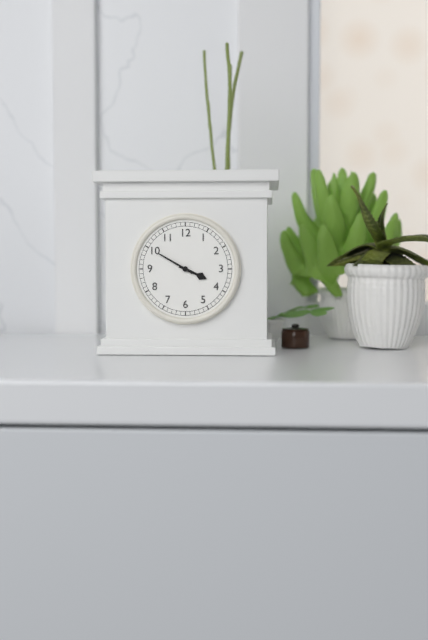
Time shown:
{"hour": 3, "minute": 50}
